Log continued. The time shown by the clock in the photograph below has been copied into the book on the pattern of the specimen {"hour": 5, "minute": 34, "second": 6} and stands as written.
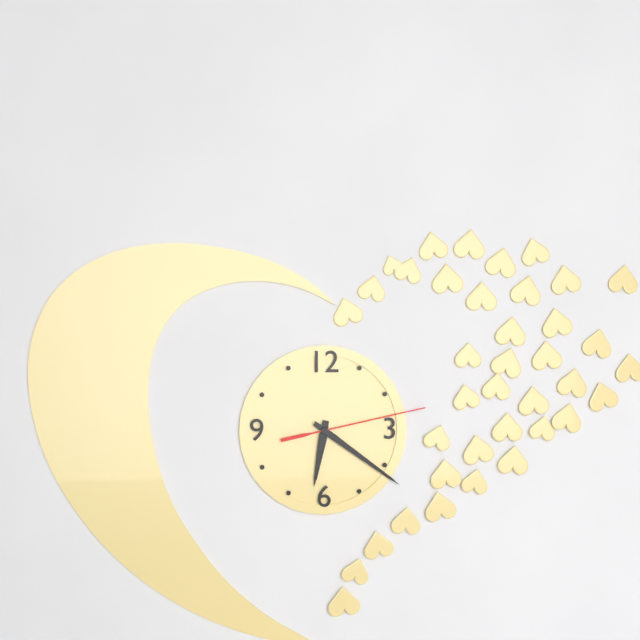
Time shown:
{"hour": 6, "minute": 21, "second": 13}
